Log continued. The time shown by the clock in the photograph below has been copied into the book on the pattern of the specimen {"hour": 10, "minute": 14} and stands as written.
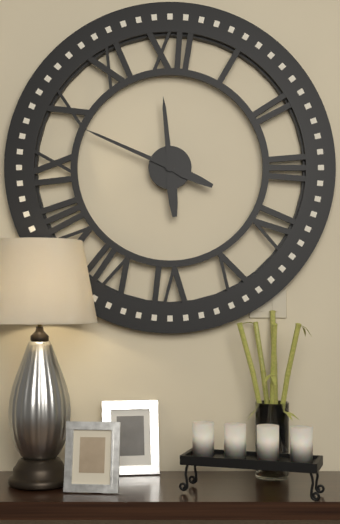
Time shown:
{"hour": 11, "minute": 49}
